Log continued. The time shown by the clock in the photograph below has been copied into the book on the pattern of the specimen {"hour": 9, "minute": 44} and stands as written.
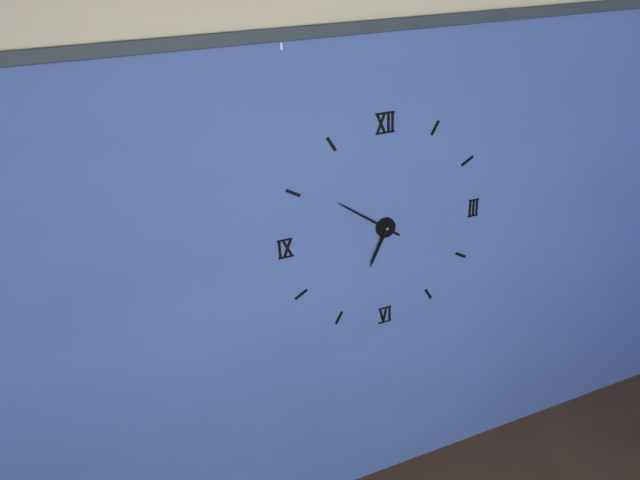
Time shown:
{"hour": 6, "minute": 51}
